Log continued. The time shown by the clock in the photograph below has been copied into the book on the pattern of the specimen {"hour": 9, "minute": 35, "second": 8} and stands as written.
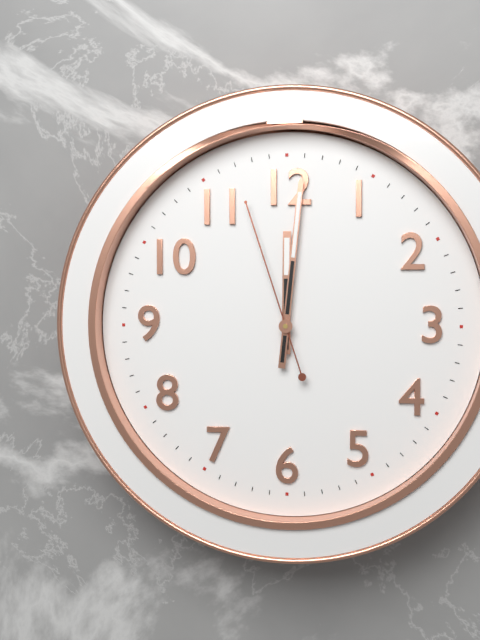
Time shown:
{"hour": 12, "minute": 1, "second": 57}
